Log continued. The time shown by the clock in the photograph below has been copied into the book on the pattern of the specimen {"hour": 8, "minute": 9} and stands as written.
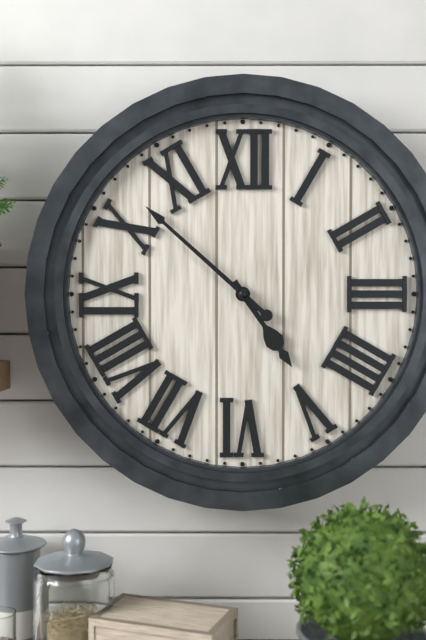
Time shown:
{"hour": 4, "minute": 52}
